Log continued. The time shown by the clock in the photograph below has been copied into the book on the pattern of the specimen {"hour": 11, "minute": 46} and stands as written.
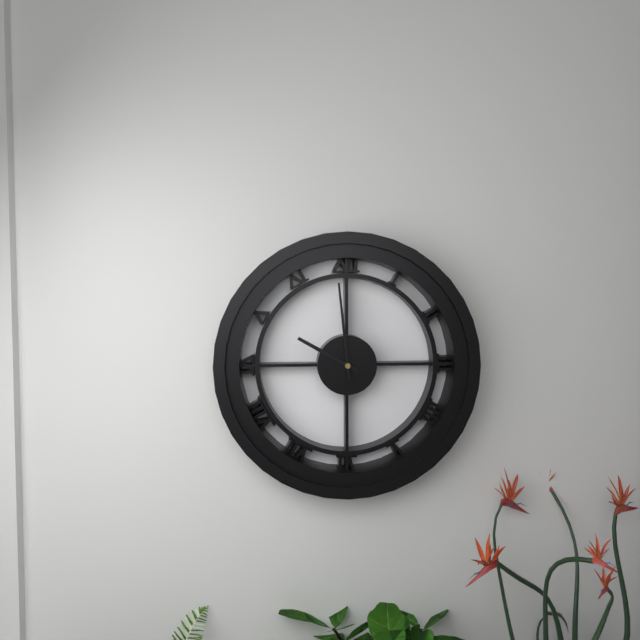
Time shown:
{"hour": 9, "minute": 59}
